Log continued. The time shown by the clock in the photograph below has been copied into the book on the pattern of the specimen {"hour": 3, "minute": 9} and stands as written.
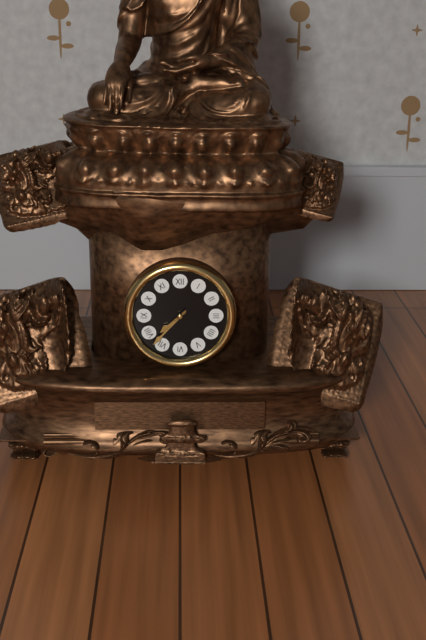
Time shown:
{"hour": 7, "minute": 37}
